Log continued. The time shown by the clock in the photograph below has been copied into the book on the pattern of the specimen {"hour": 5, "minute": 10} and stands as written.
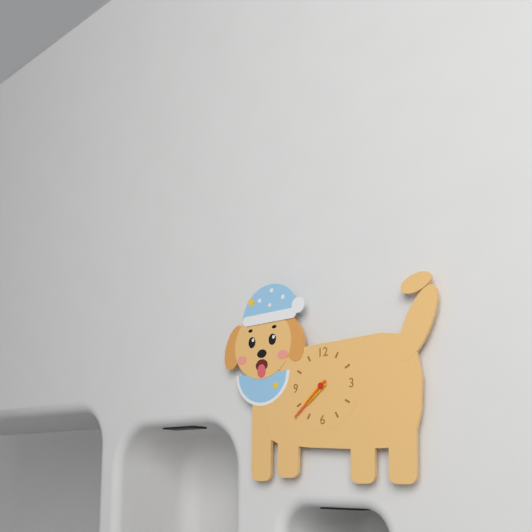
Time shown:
{"hour": 7, "minute": 38}
